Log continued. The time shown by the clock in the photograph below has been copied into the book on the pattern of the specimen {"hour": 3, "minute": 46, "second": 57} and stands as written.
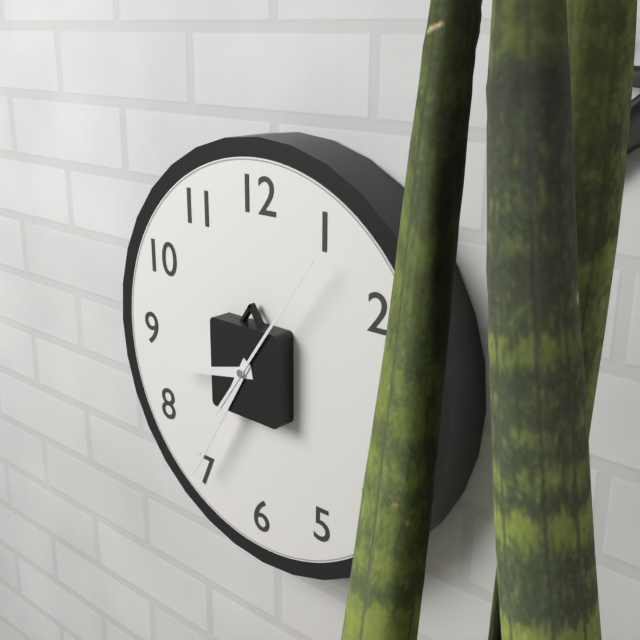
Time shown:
{"hour": 8, "minute": 35, "second": 6}
